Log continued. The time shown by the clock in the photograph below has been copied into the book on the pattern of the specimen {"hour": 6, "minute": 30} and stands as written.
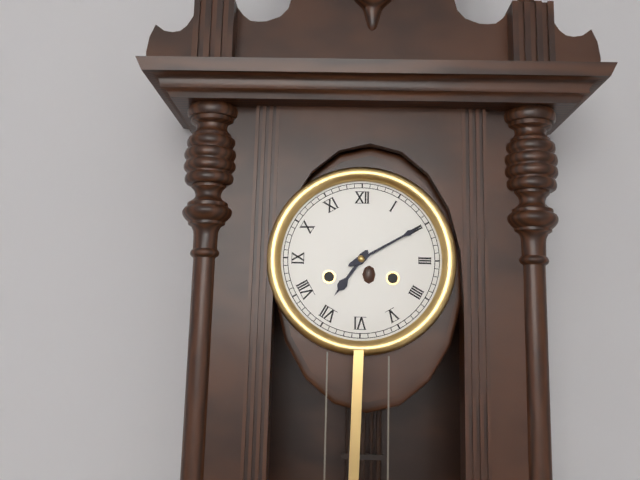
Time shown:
{"hour": 7, "minute": 10}
